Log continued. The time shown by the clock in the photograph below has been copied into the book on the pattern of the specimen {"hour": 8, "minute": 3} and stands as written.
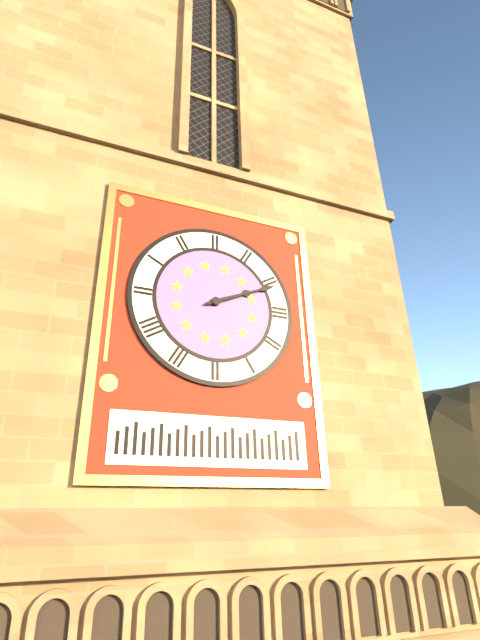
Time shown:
{"hour": 2, "minute": 11}
